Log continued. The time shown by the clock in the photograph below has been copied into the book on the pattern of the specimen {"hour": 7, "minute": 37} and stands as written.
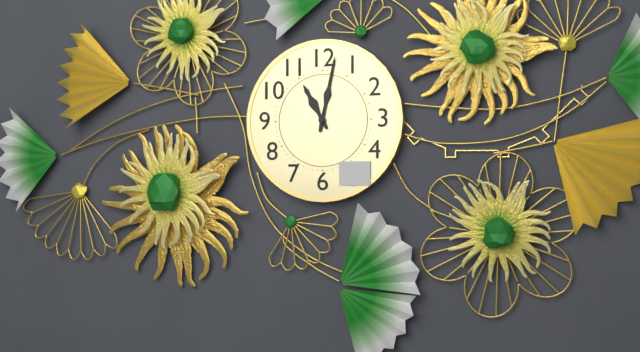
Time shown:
{"hour": 11, "minute": 2}
